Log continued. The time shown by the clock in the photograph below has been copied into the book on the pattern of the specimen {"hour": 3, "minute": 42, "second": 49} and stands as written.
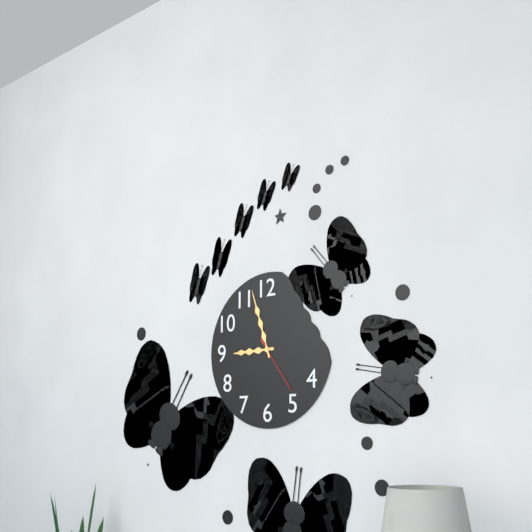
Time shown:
{"hour": 8, "minute": 57, "second": 24}
